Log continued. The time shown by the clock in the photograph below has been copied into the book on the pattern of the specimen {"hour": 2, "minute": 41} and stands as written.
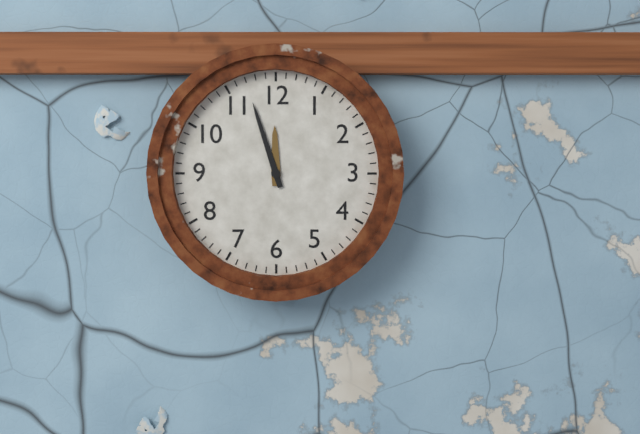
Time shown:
{"hour": 11, "minute": 57}
